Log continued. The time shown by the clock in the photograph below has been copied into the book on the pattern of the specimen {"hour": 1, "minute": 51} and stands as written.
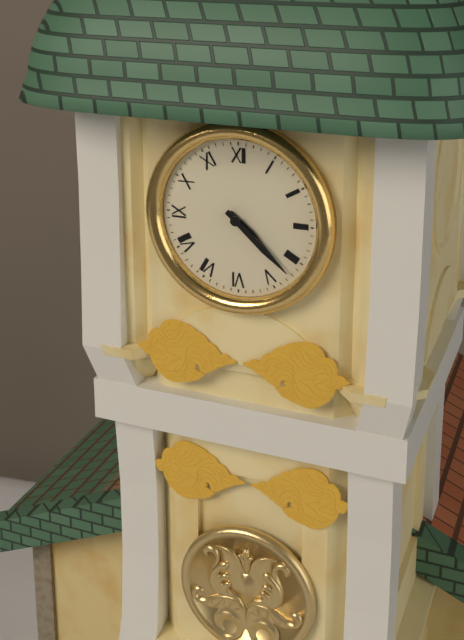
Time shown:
{"hour": 4, "minute": 22}
